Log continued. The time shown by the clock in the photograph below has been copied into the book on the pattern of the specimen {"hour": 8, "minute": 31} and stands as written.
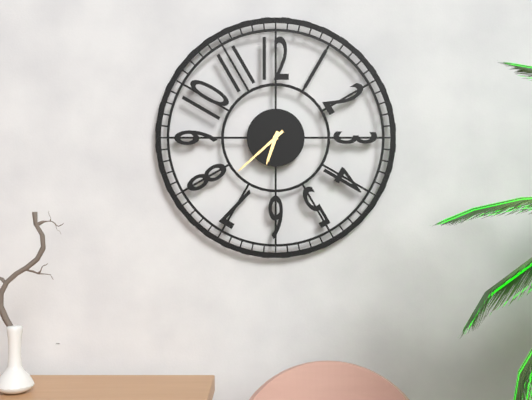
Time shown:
{"hour": 6, "minute": 38}
